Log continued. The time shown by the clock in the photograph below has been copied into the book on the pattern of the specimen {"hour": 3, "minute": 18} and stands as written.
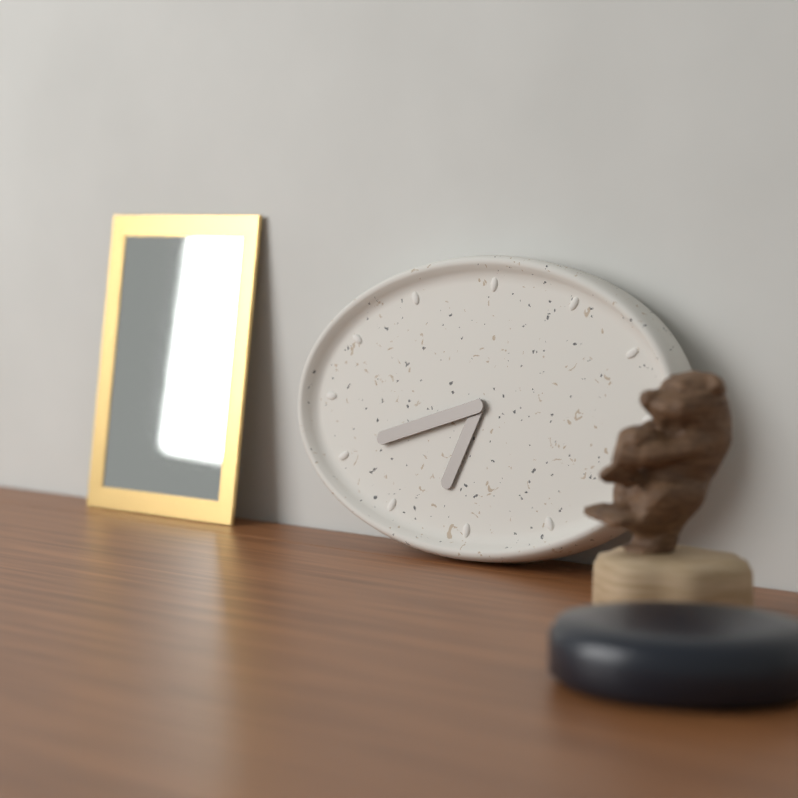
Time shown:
{"hour": 6, "minute": 42}
